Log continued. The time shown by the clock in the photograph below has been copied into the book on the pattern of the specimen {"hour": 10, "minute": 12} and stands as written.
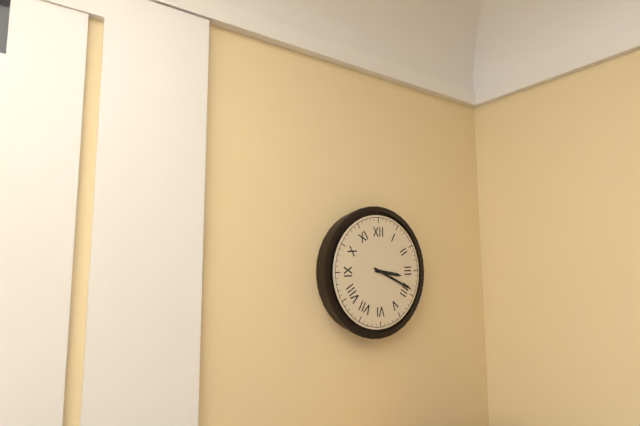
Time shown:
{"hour": 3, "minute": 19}
